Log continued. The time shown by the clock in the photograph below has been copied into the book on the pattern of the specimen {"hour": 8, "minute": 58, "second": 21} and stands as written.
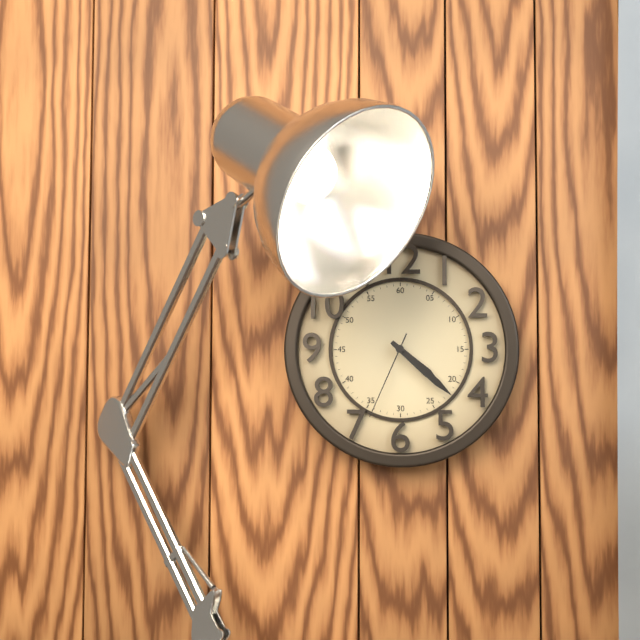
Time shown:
{"hour": 4, "minute": 22, "second": 34}
